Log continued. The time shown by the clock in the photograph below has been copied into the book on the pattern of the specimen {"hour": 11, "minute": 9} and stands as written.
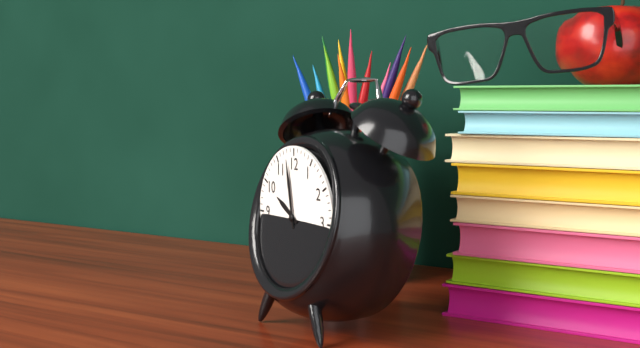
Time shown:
{"hour": 9, "minute": 58}
